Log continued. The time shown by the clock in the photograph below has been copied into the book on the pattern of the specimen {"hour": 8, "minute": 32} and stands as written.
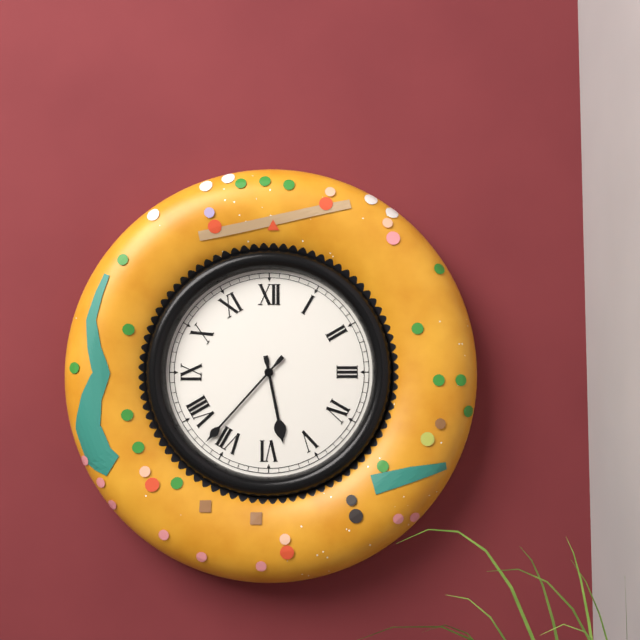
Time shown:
{"hour": 5, "minute": 37}
